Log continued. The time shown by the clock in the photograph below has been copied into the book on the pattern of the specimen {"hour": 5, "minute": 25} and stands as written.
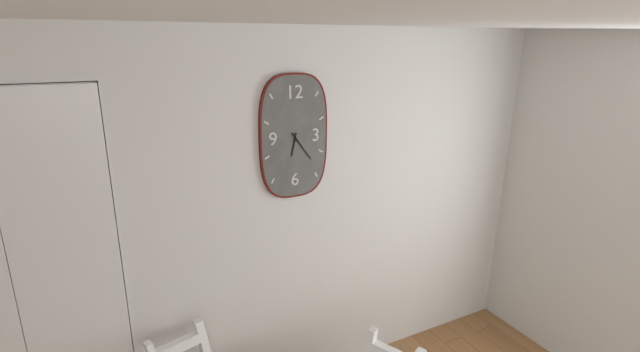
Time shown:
{"hour": 6, "minute": 24}
